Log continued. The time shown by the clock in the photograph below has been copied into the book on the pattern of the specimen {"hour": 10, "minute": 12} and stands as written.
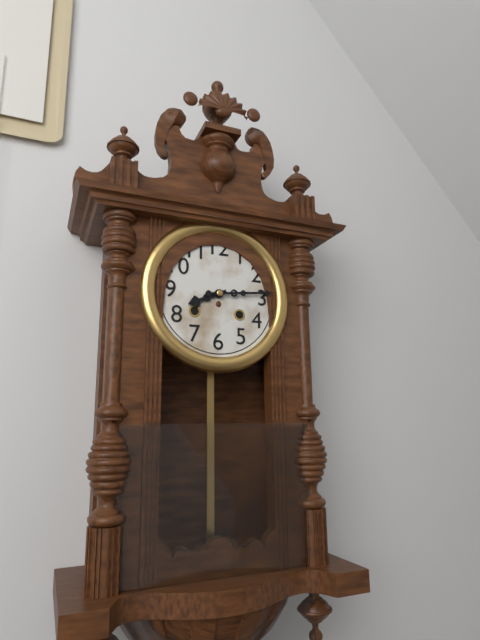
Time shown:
{"hour": 8, "minute": 14}
